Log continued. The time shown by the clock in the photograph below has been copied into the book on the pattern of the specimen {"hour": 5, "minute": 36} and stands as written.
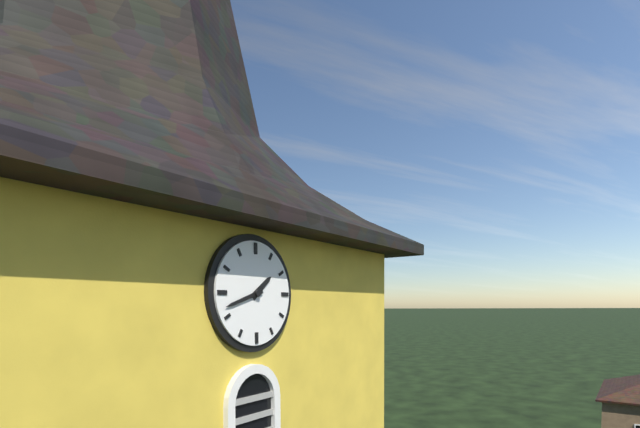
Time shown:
{"hour": 1, "minute": 42}
